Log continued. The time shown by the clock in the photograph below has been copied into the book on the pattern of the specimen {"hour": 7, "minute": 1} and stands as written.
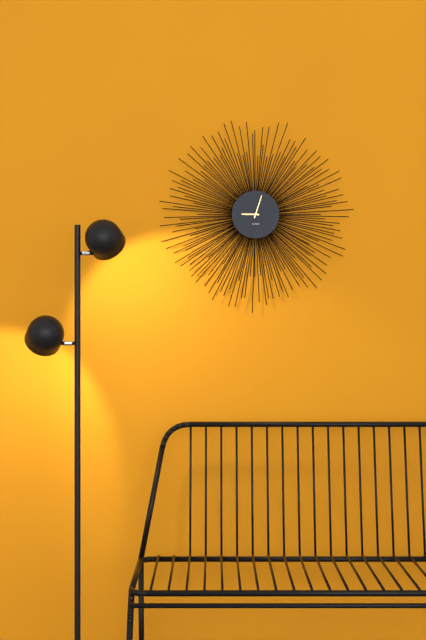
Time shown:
{"hour": 9, "minute": 3}
